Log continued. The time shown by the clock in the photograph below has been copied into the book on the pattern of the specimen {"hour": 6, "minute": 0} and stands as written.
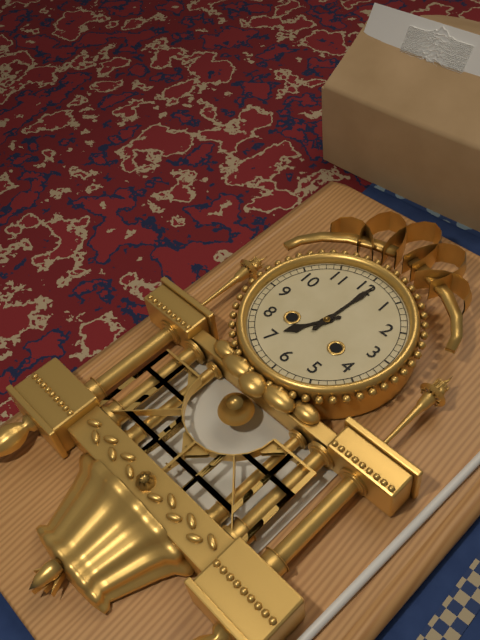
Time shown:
{"hour": 7, "minute": 1}
